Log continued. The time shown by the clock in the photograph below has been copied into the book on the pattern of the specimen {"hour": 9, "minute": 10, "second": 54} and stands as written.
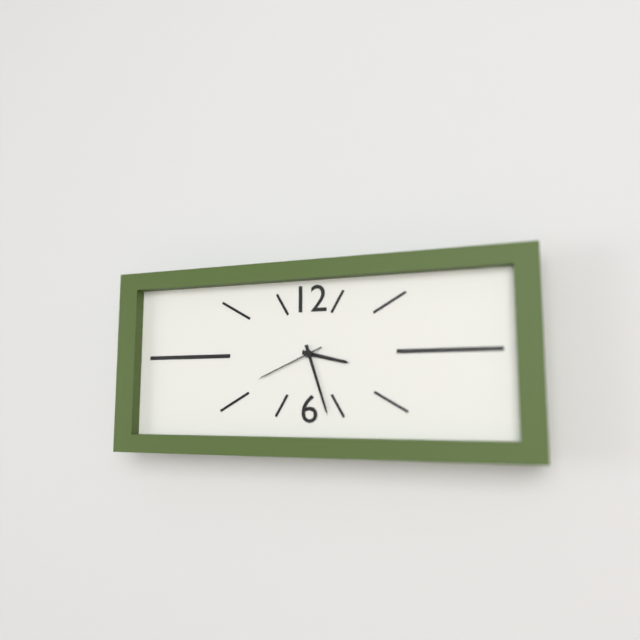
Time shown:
{"hour": 3, "minute": 27, "second": 41}
